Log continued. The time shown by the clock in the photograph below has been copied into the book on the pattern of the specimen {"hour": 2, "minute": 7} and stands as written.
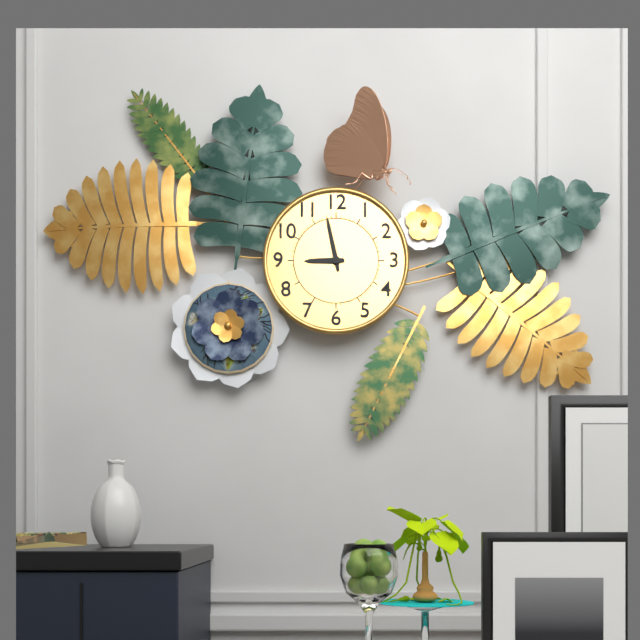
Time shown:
{"hour": 8, "minute": 58}
